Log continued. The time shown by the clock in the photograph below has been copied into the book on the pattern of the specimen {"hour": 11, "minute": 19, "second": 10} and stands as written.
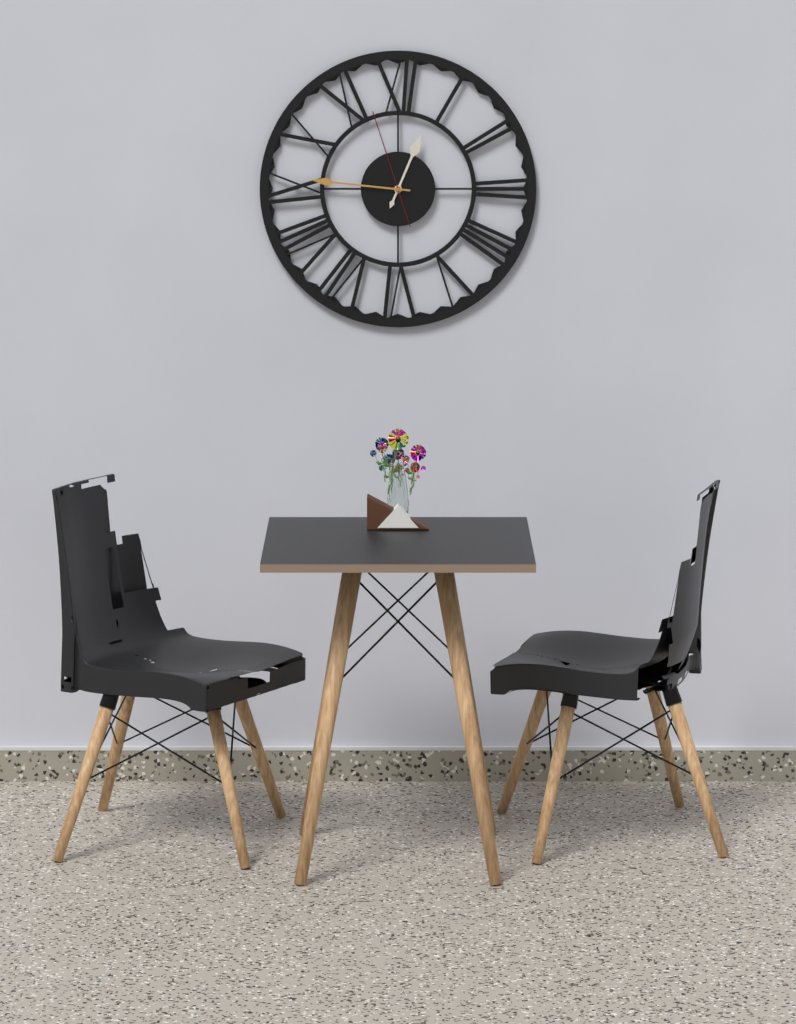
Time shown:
{"hour": 12, "minute": 46, "second": 57}
